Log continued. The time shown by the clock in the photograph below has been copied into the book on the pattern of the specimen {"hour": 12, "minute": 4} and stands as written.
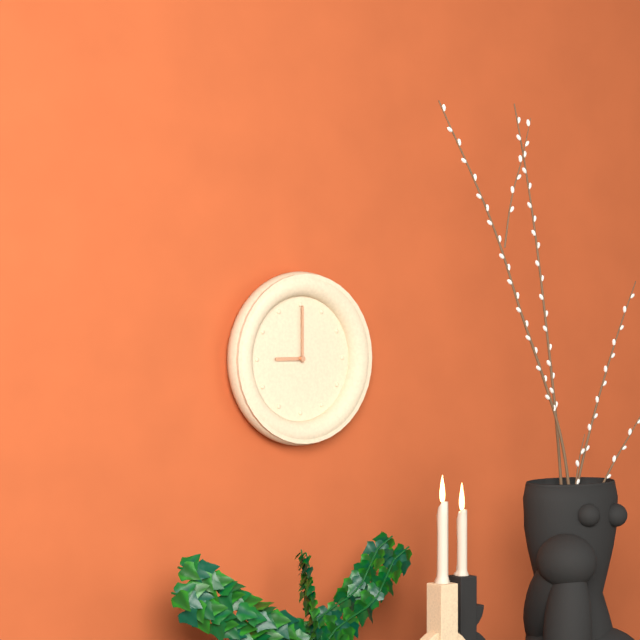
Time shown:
{"hour": 9, "minute": 0}
